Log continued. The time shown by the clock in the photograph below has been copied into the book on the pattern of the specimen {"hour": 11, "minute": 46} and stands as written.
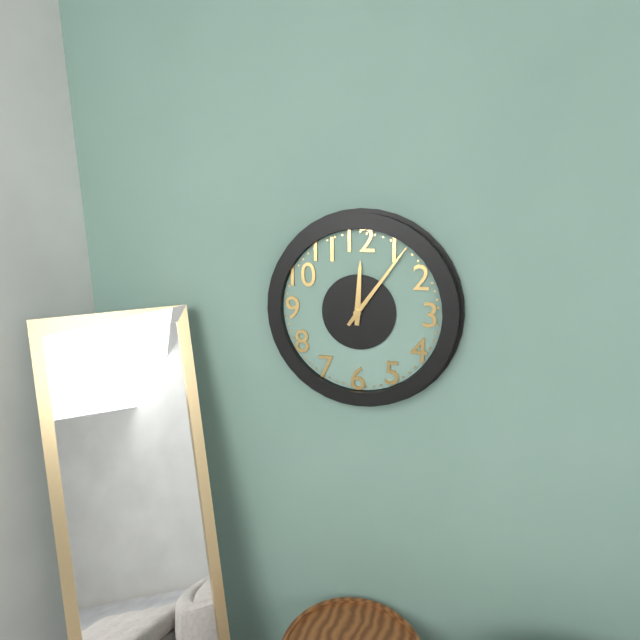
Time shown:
{"hour": 12, "minute": 6}
